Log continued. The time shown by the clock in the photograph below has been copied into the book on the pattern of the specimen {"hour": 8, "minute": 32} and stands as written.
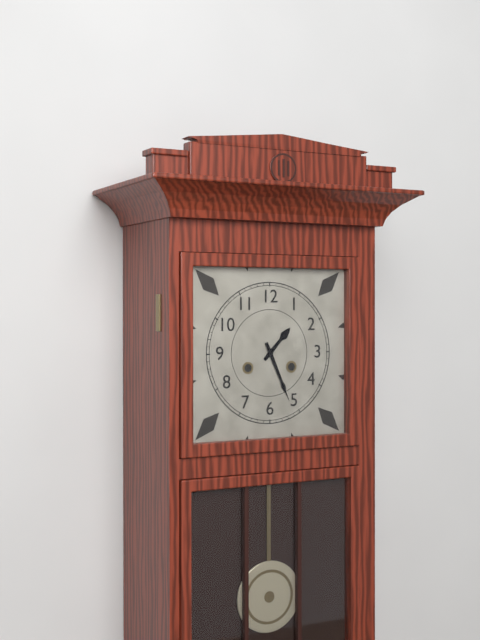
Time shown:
{"hour": 1, "minute": 26}
